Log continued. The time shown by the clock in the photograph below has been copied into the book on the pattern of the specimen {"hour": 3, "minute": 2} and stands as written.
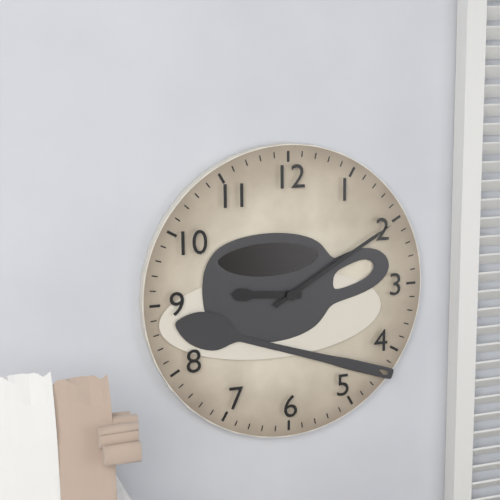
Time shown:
{"hour": 9, "minute": 10}
